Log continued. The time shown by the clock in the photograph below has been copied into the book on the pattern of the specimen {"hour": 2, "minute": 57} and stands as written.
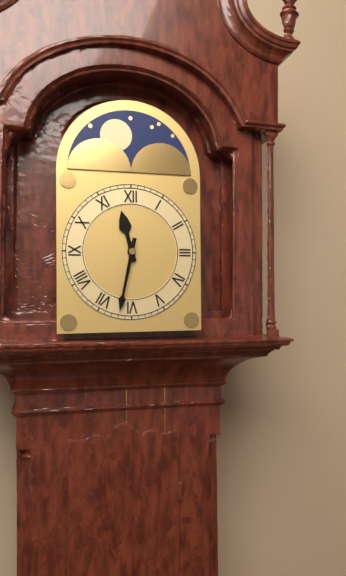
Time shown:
{"hour": 11, "minute": 32}
